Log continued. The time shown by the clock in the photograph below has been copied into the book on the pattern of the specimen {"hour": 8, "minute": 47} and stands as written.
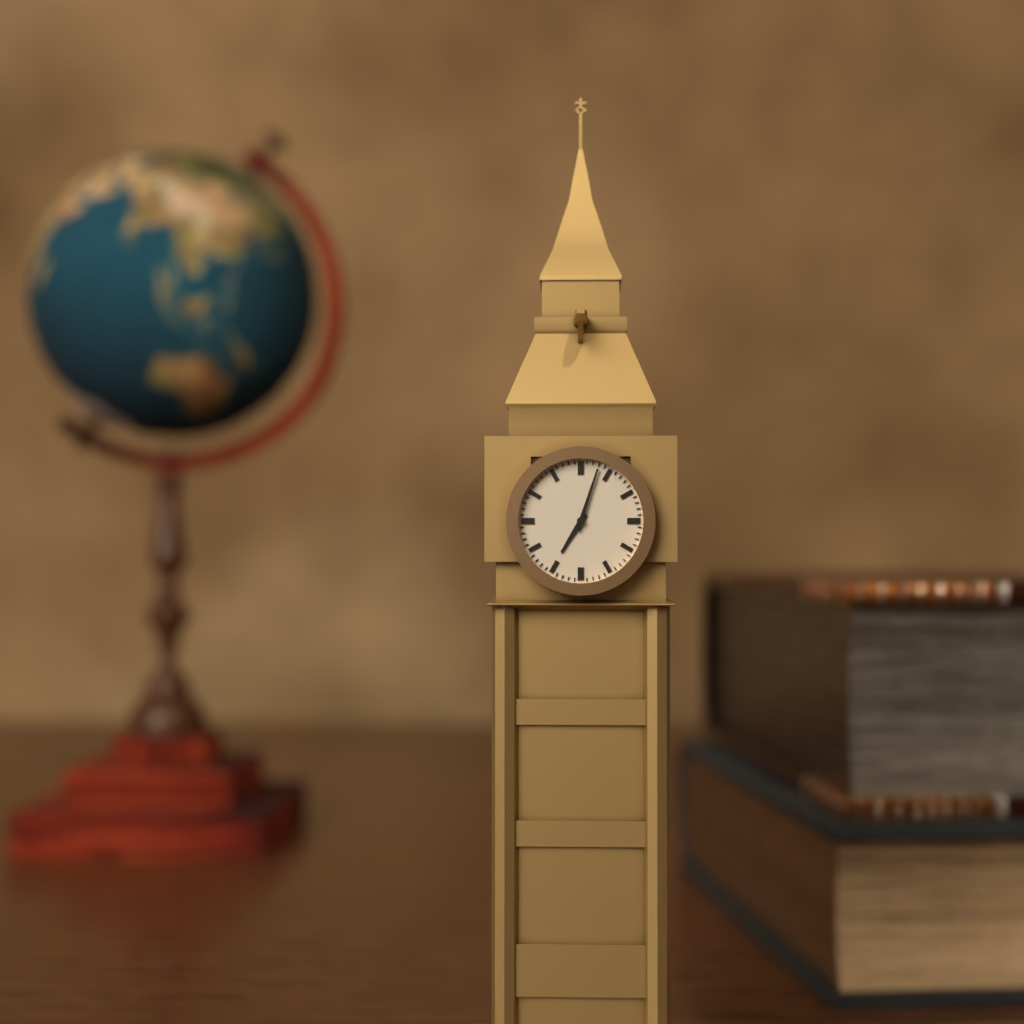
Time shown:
{"hour": 7, "minute": 3}
